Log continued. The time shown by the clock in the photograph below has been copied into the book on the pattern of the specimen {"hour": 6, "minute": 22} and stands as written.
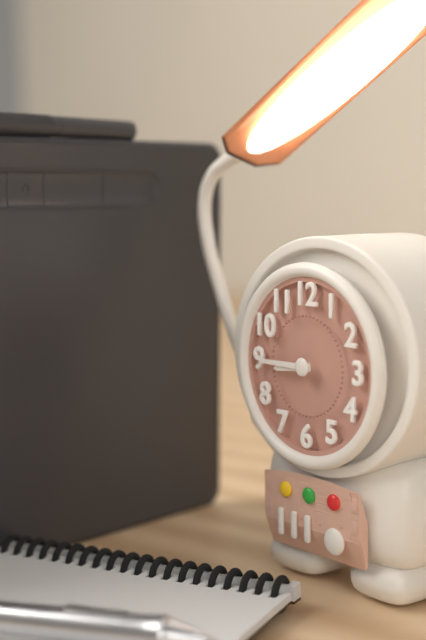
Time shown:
{"hour": 8, "minute": 45}
